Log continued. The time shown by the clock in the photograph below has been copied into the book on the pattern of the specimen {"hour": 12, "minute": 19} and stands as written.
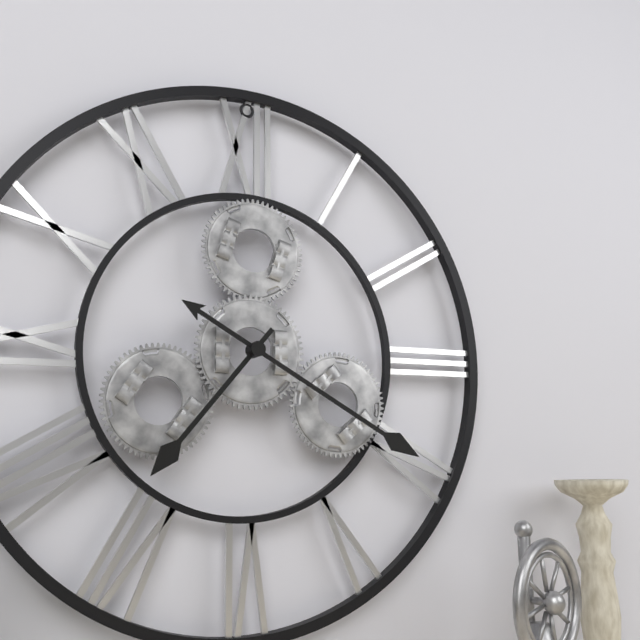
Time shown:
{"hour": 7, "minute": 20}
